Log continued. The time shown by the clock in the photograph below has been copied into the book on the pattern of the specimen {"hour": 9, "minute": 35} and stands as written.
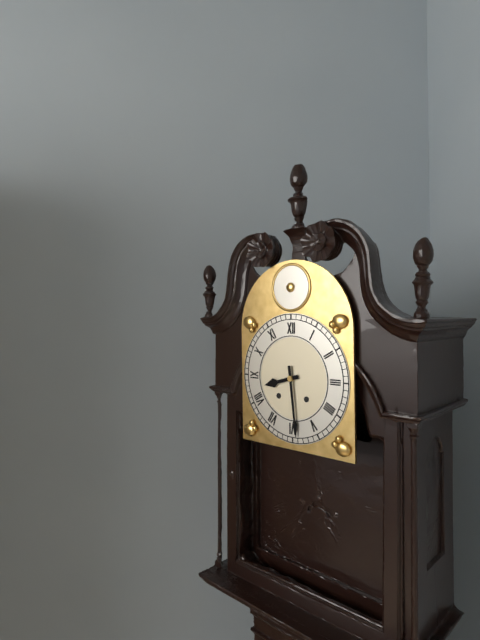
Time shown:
{"hour": 8, "minute": 29}
